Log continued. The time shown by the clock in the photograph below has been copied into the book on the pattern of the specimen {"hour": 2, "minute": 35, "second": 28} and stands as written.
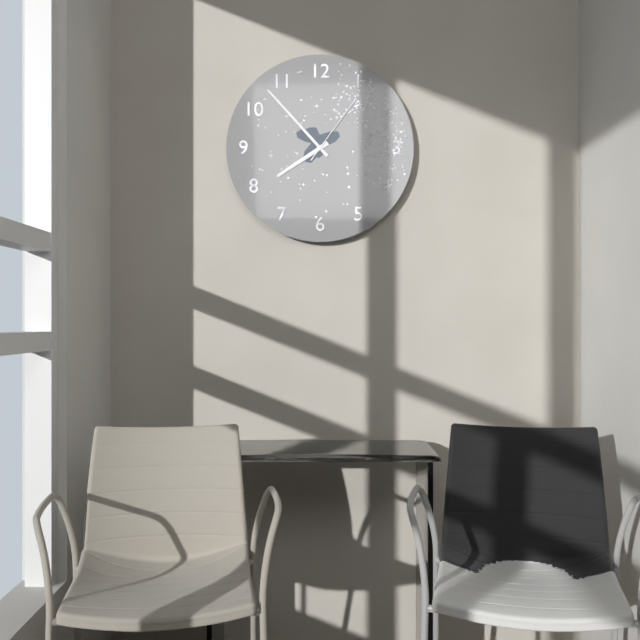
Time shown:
{"hour": 7, "minute": 53, "second": 6}
